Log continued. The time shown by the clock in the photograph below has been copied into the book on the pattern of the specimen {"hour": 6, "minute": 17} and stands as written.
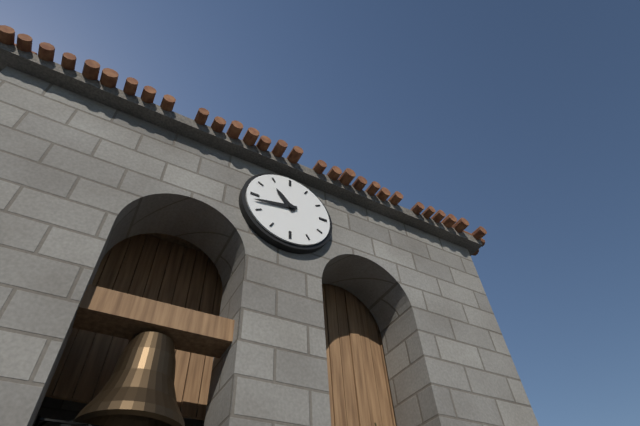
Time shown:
{"hour": 10, "minute": 43}
